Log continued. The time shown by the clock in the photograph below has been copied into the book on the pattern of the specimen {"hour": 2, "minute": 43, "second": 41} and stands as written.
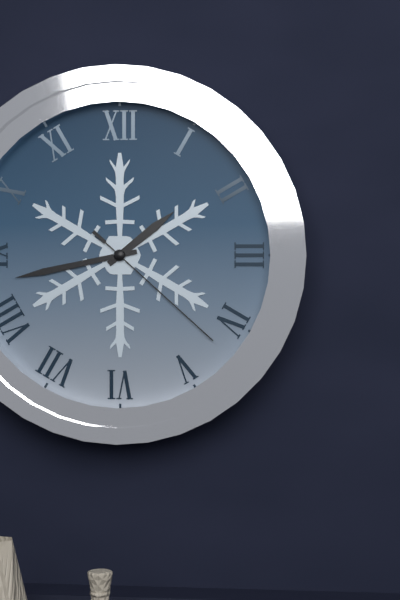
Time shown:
{"hour": 1, "minute": 43, "second": 22}
